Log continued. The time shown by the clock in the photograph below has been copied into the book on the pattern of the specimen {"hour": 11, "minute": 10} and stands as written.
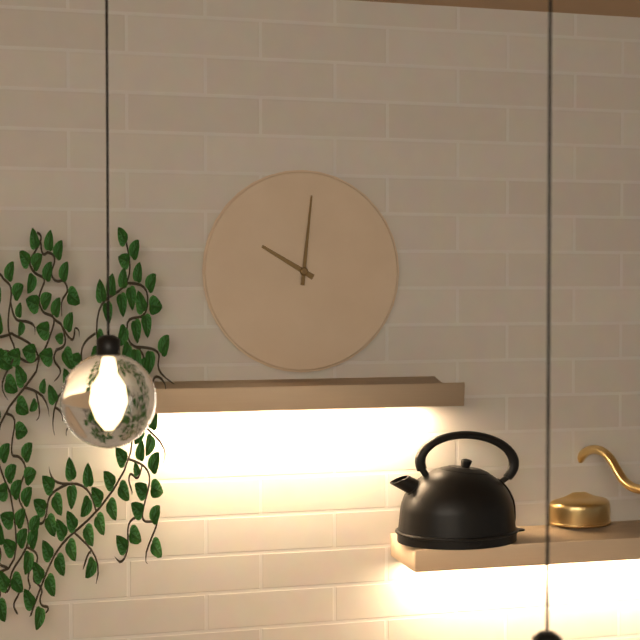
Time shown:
{"hour": 10, "minute": 1}
